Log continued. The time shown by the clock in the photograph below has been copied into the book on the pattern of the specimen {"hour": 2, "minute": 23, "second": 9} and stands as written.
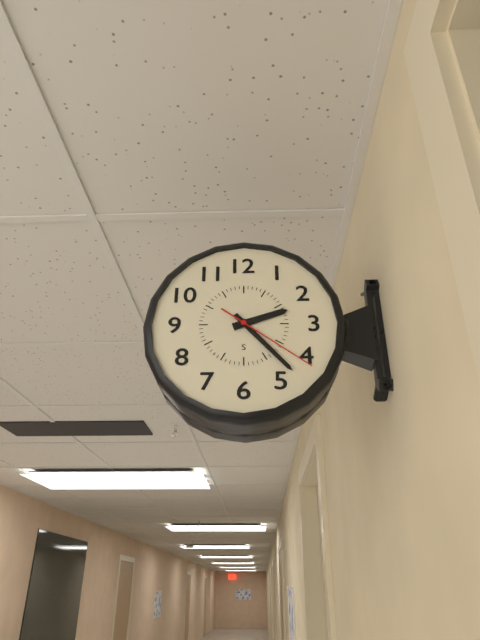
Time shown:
{"hour": 2, "minute": 23, "second": 21}
